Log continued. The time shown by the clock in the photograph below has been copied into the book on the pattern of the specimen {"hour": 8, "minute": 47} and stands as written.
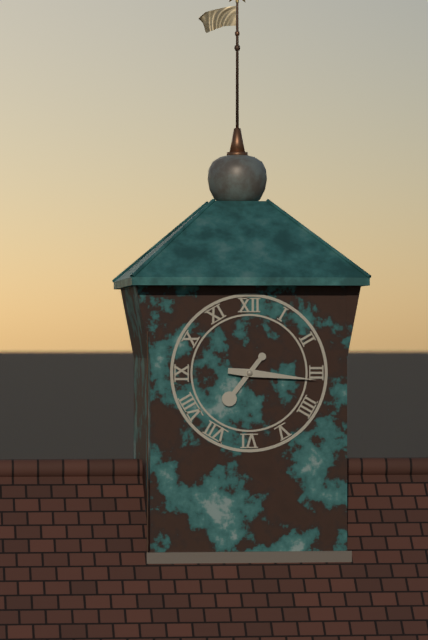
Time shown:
{"hour": 7, "minute": 16}
